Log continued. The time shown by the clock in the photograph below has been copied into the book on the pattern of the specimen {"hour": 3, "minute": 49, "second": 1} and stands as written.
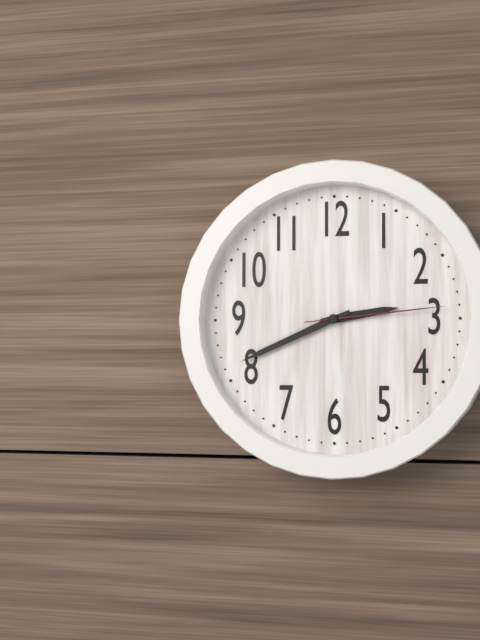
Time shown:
{"hour": 2, "minute": 41, "second": 14}
